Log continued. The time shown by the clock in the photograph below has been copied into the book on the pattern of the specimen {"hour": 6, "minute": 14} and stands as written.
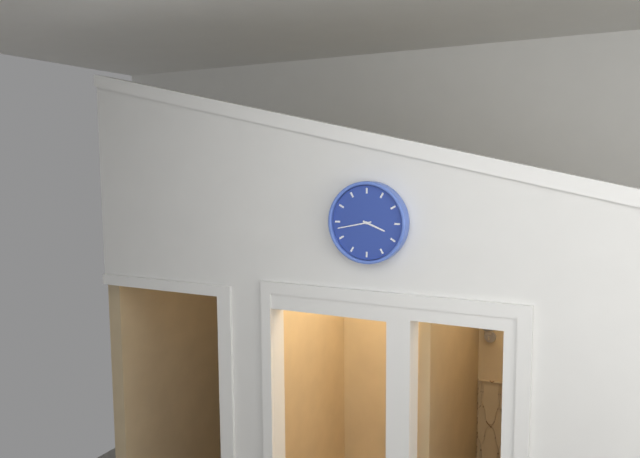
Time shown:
{"hour": 3, "minute": 43}
